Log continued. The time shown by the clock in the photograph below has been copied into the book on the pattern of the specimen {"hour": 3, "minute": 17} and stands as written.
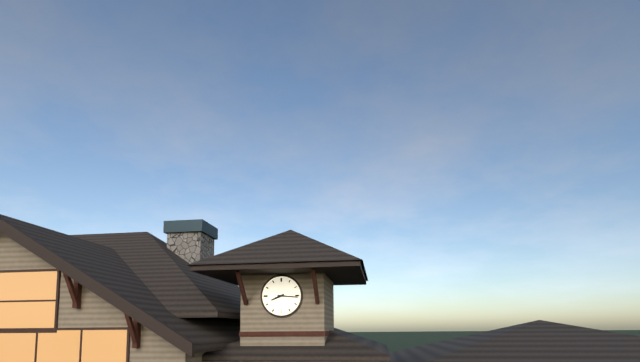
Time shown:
{"hour": 8, "minute": 16}
